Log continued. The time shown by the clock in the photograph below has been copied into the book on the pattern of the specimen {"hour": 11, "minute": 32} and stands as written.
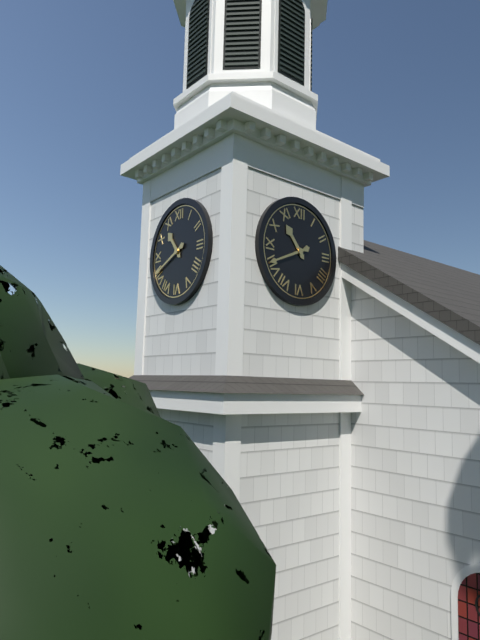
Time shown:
{"hour": 10, "minute": 41}
